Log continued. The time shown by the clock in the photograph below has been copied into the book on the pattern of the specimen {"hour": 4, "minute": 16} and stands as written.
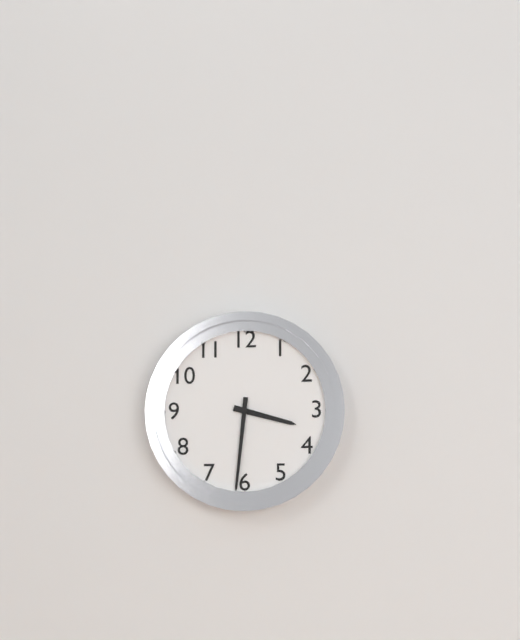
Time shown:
{"hour": 3, "minute": 31}
